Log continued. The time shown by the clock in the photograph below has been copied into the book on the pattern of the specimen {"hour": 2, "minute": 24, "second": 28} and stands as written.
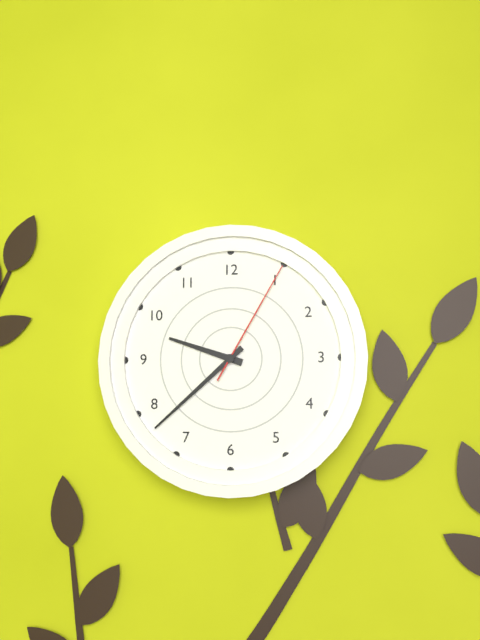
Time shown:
{"hour": 9, "minute": 38, "second": 5}
